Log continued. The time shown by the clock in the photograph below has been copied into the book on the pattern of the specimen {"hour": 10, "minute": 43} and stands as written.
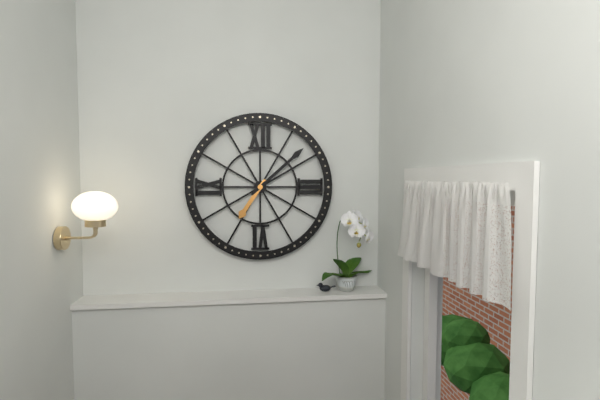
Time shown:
{"hour": 7, "minute": 8}
